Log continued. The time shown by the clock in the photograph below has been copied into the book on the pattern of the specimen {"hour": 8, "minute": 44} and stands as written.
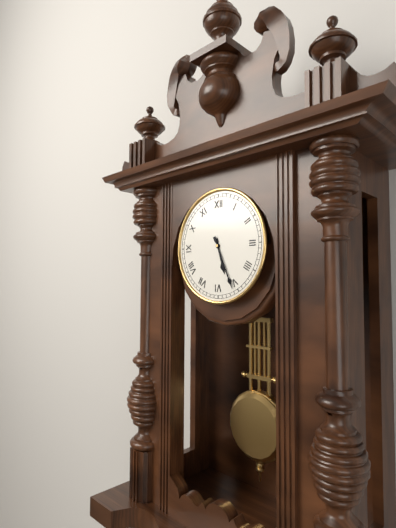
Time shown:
{"hour": 5, "minute": 26}
